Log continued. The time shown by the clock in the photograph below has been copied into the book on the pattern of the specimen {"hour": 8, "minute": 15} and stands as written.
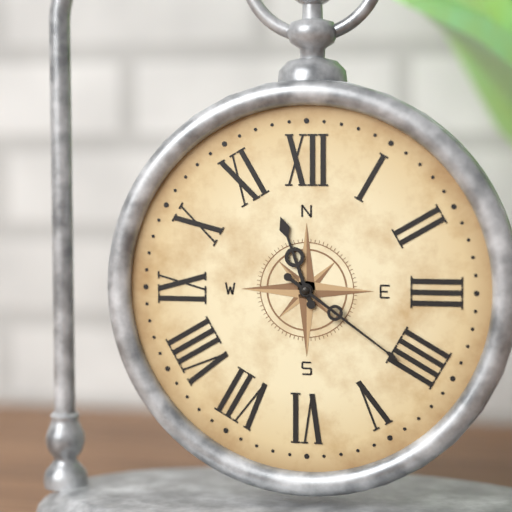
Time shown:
{"hour": 11, "minute": 21}
